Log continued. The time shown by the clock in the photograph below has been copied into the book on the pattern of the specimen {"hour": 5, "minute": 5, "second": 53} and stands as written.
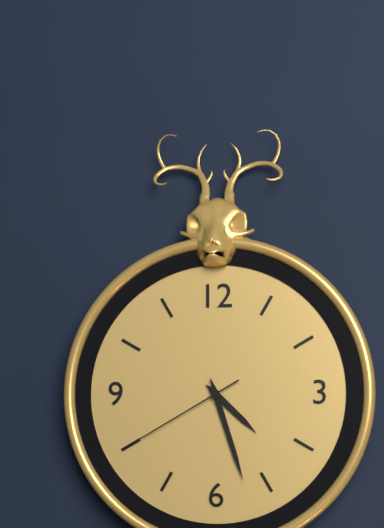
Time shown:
{"hour": 4, "minute": 27, "second": 40}
